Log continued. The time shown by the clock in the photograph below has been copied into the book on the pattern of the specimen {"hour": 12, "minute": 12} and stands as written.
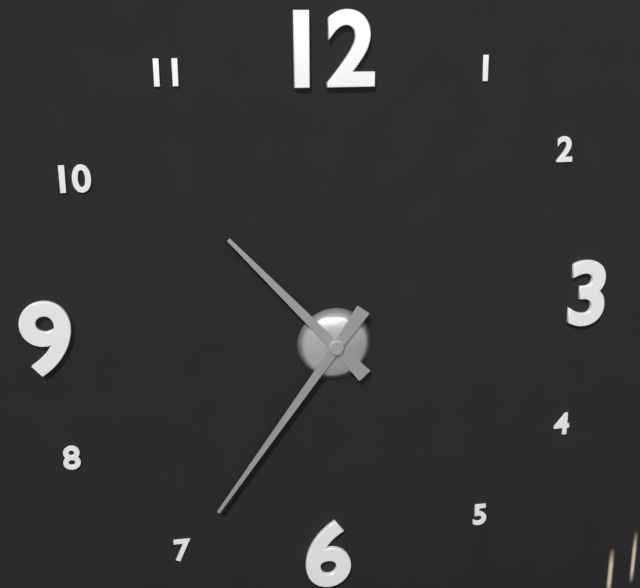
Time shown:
{"hour": 10, "minute": 36}
